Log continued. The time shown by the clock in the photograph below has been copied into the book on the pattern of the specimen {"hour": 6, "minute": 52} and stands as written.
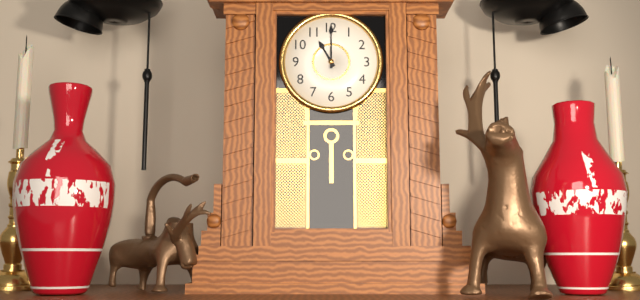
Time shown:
{"hour": 11, "minute": 0}
